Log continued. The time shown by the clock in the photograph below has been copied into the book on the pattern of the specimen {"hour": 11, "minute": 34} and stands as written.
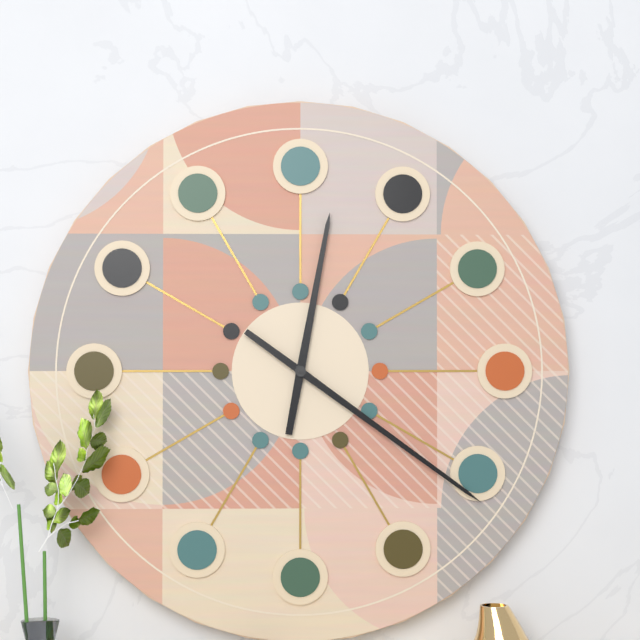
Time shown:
{"hour": 12, "minute": 21}
